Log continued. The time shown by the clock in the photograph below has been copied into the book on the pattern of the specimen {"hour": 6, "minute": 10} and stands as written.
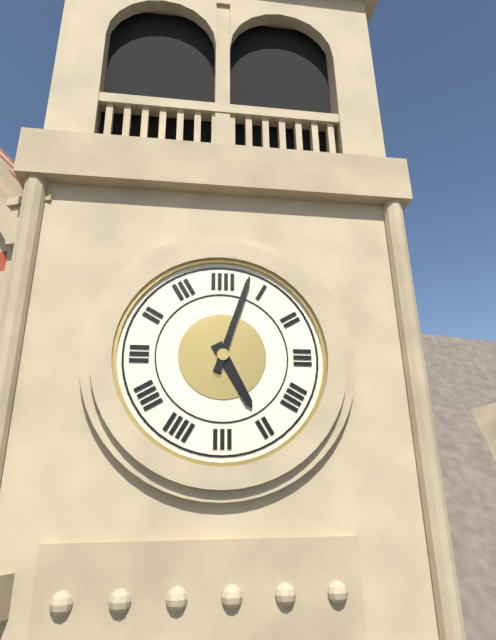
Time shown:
{"hour": 5, "minute": 3}
